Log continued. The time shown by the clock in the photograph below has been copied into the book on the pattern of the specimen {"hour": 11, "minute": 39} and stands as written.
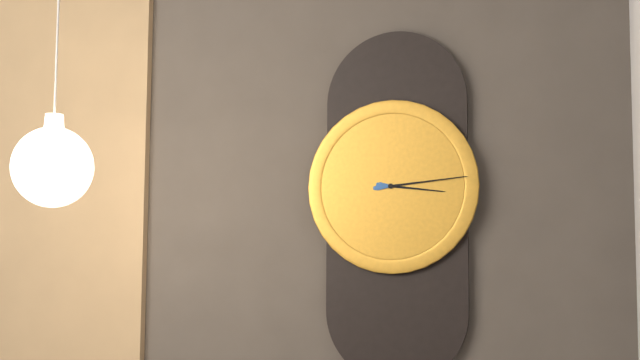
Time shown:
{"hour": 3, "minute": 14}
